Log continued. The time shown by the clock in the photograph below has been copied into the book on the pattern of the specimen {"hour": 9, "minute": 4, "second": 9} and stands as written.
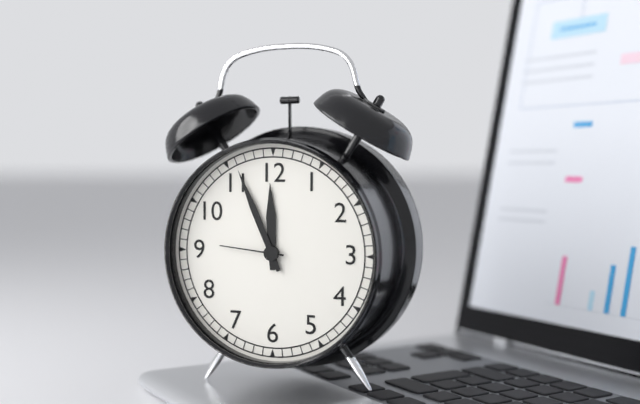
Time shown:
{"hour": 11, "minute": 56, "second": 46}
